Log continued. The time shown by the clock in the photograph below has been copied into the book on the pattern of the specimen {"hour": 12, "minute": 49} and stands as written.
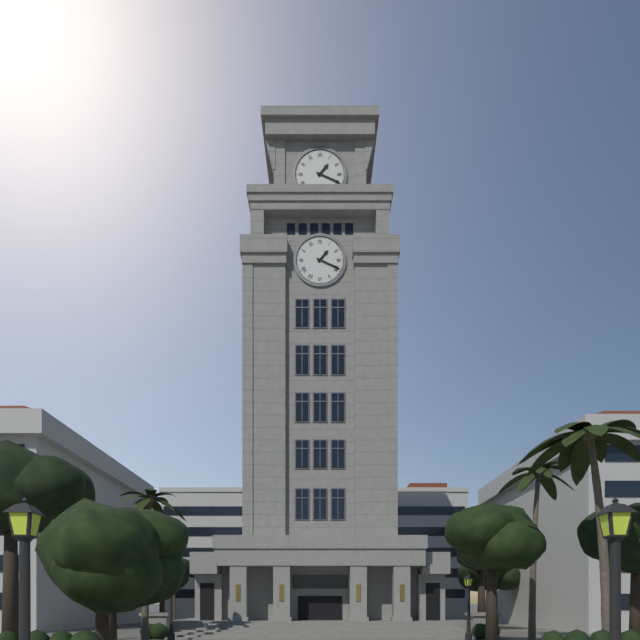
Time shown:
{"hour": 1, "minute": 19}
